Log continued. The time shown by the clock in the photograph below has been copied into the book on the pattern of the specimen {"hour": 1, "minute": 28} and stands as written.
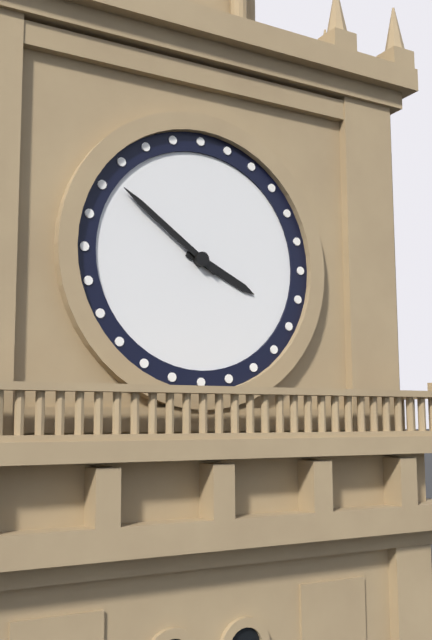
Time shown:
{"hour": 3, "minute": 51}
